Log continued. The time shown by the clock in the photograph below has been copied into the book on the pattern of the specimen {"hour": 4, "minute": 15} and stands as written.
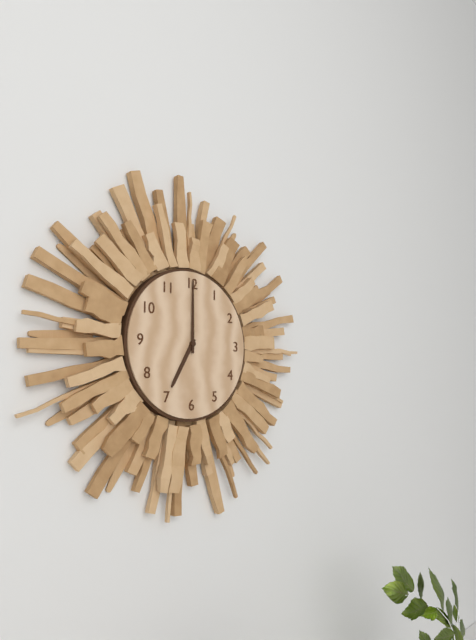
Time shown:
{"hour": 7, "minute": 0}
